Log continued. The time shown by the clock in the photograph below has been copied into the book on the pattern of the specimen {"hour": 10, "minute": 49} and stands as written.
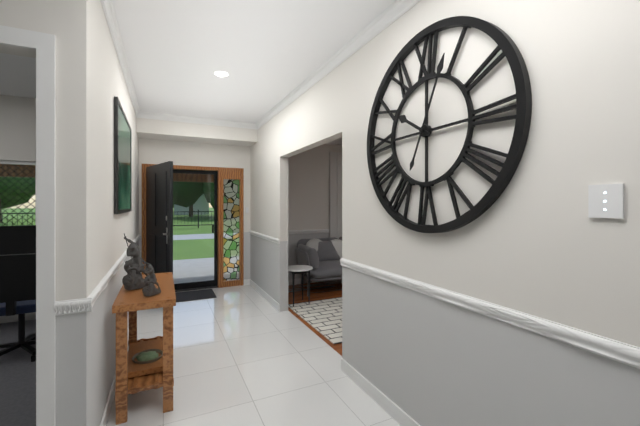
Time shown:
{"hour": 10, "minute": 4}
